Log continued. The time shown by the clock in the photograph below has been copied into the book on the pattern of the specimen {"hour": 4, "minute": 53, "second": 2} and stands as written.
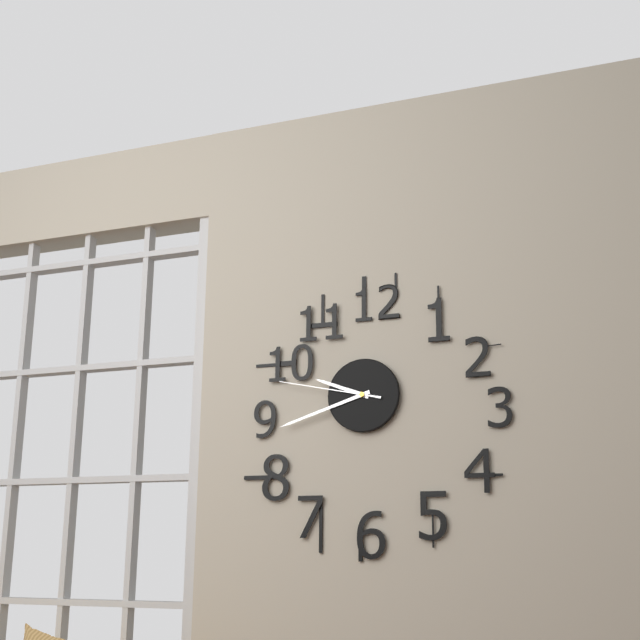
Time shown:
{"hour": 9, "minute": 42, "second": 47}
